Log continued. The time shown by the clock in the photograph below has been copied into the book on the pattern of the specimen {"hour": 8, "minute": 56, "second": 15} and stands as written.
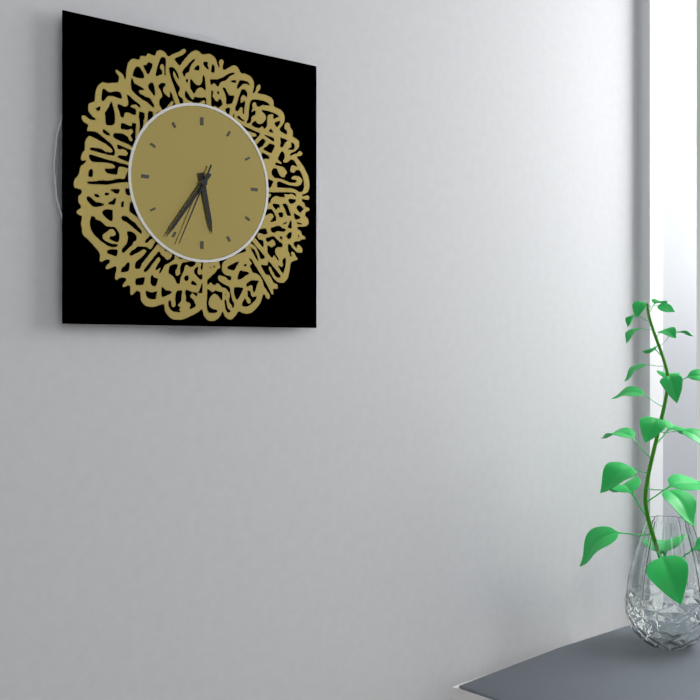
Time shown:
{"hour": 5, "minute": 36, "second": 34}
